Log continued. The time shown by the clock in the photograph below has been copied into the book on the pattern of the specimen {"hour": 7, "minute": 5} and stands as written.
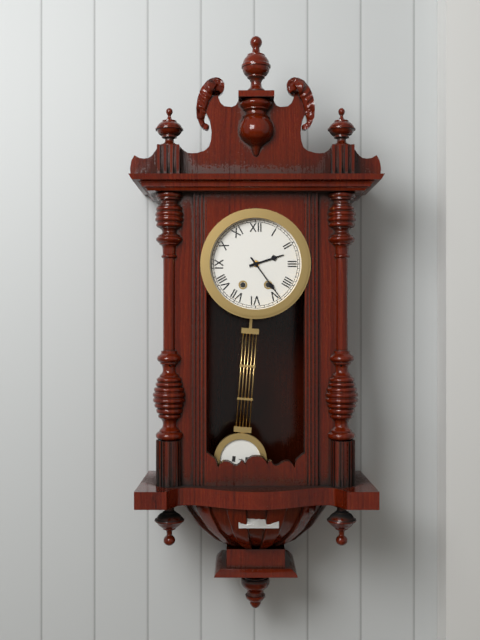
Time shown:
{"hour": 2, "minute": 24}
